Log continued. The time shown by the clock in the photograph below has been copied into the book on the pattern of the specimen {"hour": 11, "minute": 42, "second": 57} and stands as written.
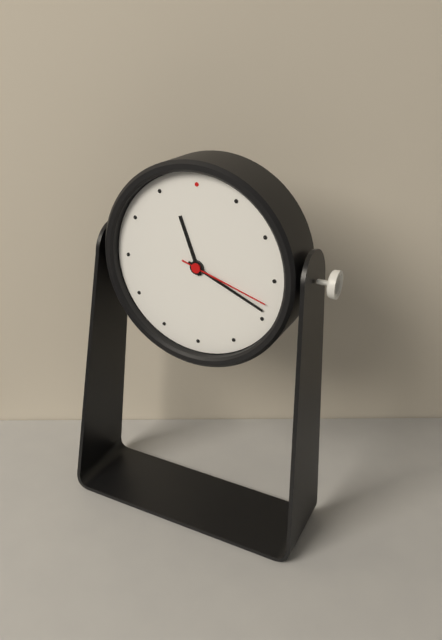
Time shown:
{"hour": 11, "minute": 19, "second": 18}
